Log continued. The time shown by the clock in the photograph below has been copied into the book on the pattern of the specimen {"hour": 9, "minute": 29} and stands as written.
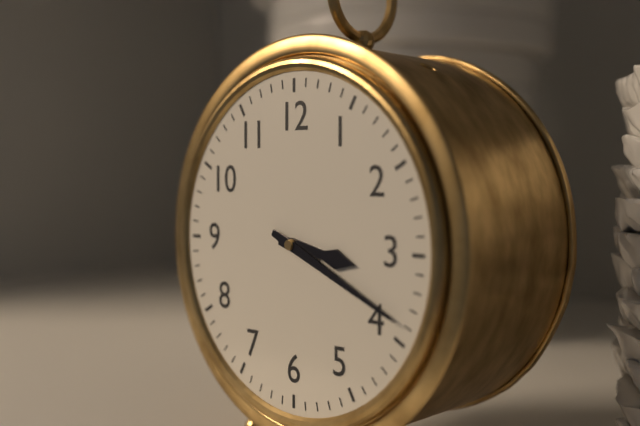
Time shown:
{"hour": 3, "minute": 19}
